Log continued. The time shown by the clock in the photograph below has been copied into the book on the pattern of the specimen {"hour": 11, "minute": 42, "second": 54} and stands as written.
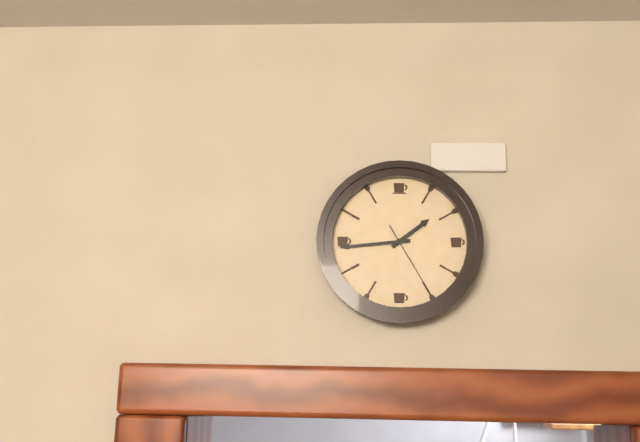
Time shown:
{"hour": 1, "minute": 44, "second": 25}
